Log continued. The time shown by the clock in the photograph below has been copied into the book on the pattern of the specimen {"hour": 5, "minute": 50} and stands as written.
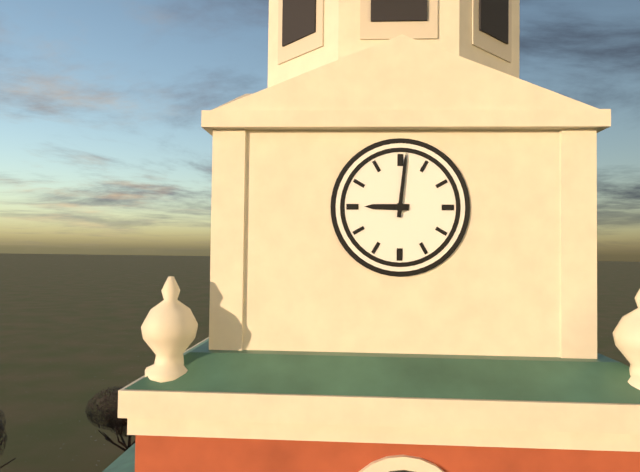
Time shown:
{"hour": 9, "minute": 1}
